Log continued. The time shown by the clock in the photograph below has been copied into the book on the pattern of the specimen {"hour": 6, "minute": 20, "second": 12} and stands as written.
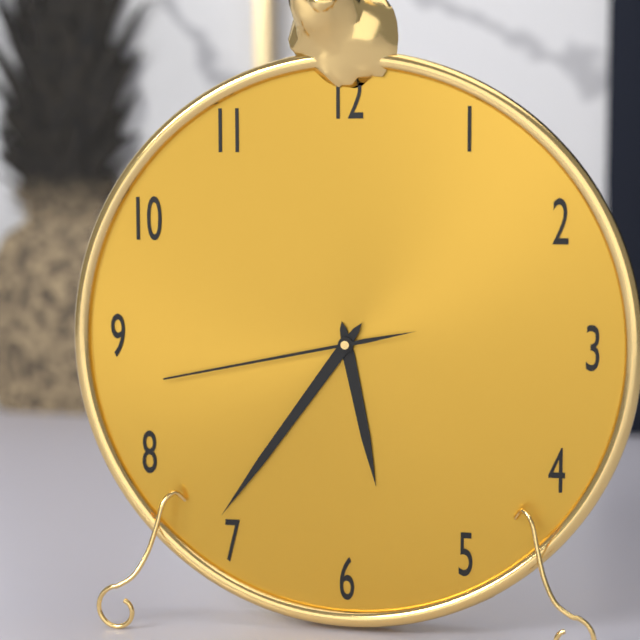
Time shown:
{"hour": 5, "minute": 36, "second": 43}
